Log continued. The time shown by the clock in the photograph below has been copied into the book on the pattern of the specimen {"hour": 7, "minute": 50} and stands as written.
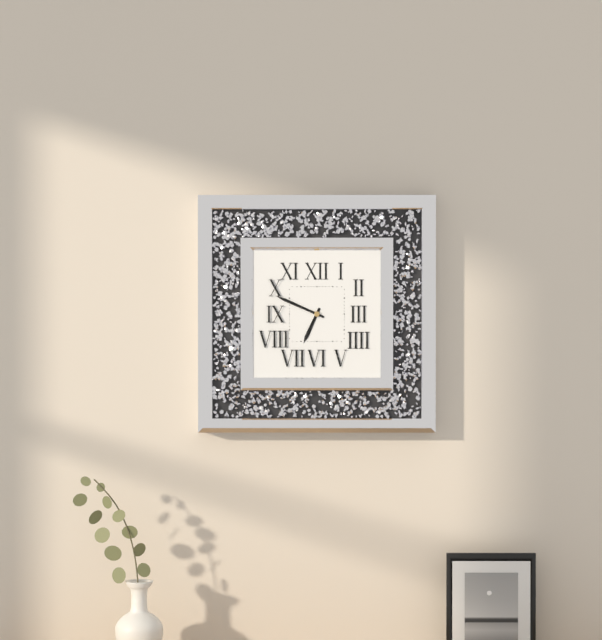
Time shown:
{"hour": 6, "minute": 49}
